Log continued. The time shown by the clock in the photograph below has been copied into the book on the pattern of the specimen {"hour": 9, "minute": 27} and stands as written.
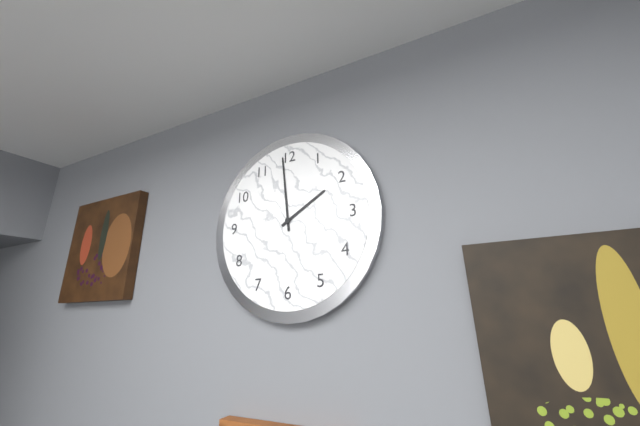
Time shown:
{"hour": 1, "minute": 59}
